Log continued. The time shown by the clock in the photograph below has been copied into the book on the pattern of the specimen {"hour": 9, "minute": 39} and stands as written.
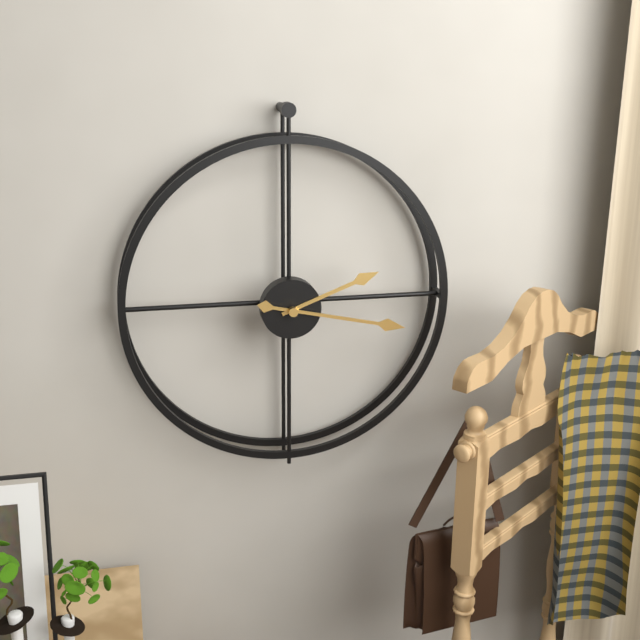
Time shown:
{"hour": 2, "minute": 17}
